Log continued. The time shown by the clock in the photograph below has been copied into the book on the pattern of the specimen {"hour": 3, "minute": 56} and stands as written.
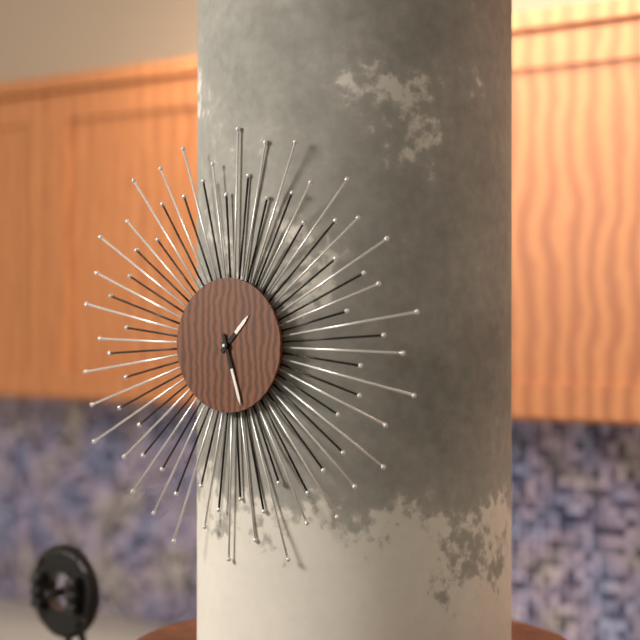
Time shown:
{"hour": 1, "minute": 27}
